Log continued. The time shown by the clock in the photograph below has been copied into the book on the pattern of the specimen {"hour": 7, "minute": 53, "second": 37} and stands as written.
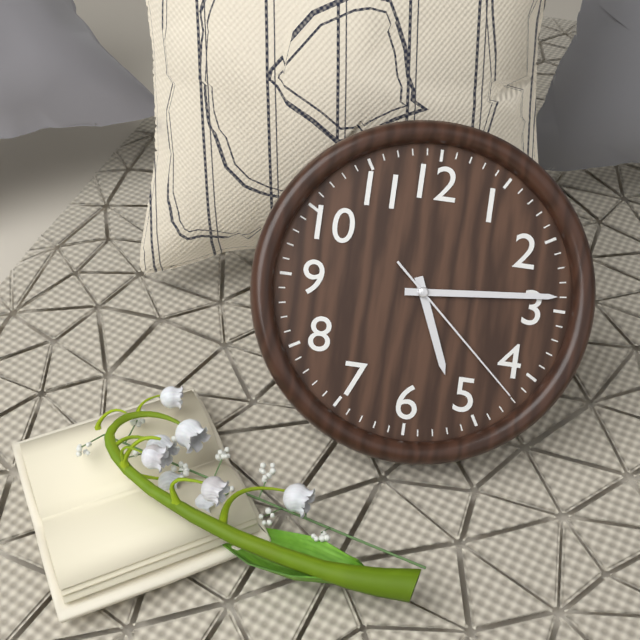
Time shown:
{"hour": 5, "minute": 14, "second": 22}
